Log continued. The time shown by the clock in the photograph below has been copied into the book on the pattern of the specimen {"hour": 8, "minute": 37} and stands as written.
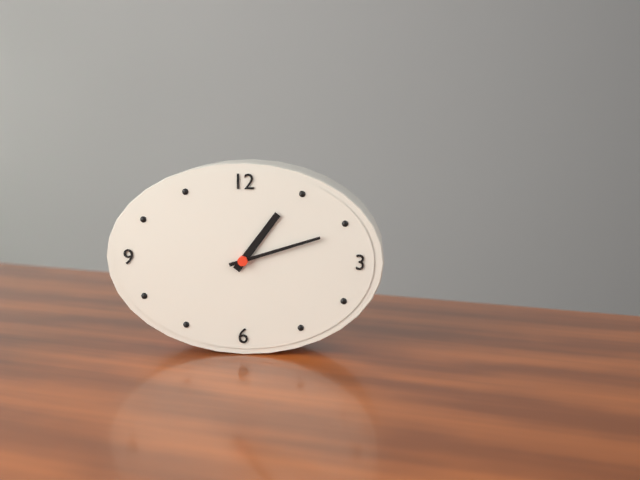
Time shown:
{"hour": 1, "minute": 12}
